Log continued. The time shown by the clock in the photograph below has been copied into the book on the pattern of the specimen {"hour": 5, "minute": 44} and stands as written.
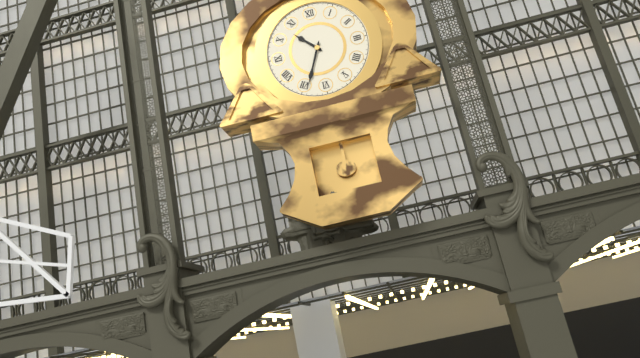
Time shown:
{"hour": 10, "minute": 34}
